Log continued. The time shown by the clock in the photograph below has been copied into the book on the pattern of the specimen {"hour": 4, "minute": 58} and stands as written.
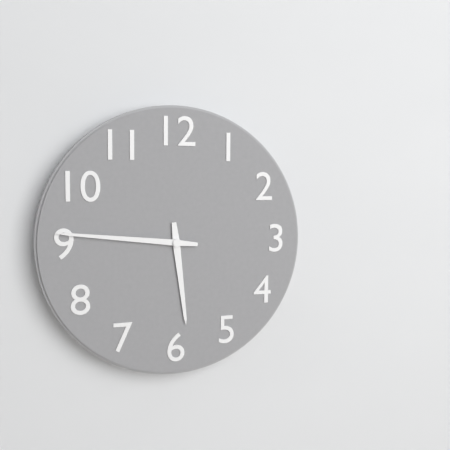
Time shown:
{"hour": 5, "minute": 46}
